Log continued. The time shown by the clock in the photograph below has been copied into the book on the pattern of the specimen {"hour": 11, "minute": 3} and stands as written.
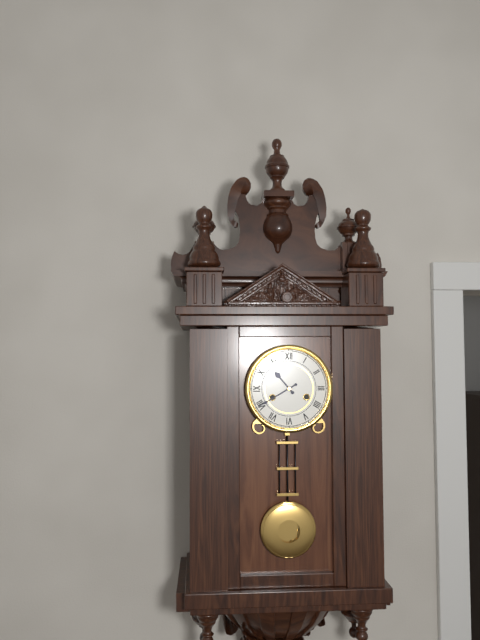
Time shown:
{"hour": 10, "minute": 40}
